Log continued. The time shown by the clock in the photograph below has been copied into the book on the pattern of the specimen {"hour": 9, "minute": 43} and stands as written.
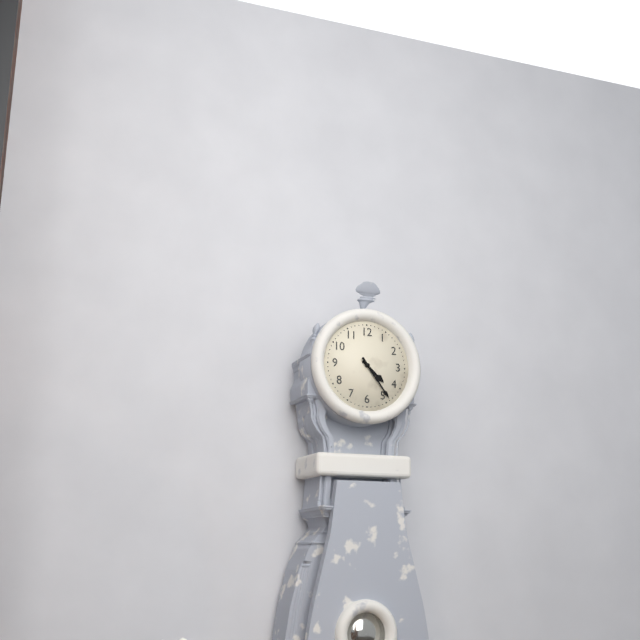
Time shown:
{"hour": 4, "minute": 24}
